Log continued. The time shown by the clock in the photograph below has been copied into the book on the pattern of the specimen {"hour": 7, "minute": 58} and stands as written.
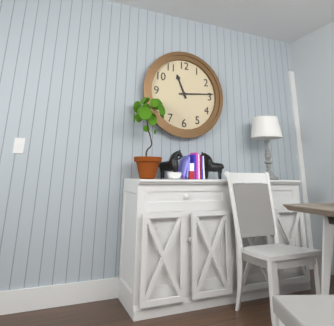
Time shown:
{"hour": 11, "minute": 14}
